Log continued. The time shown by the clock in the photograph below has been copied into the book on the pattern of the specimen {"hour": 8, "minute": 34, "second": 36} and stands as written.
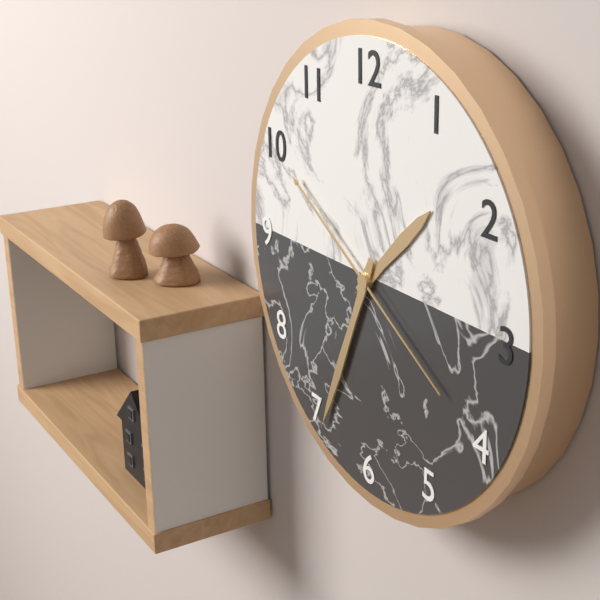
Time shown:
{"hour": 1, "minute": 34, "second": 50}
